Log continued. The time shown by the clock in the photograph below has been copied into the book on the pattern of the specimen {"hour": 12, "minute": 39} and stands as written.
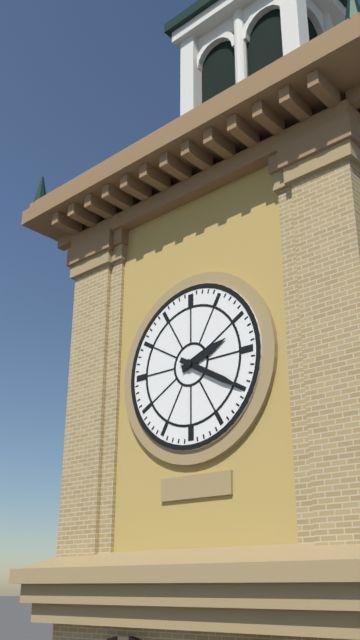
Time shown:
{"hour": 2, "minute": 20}
